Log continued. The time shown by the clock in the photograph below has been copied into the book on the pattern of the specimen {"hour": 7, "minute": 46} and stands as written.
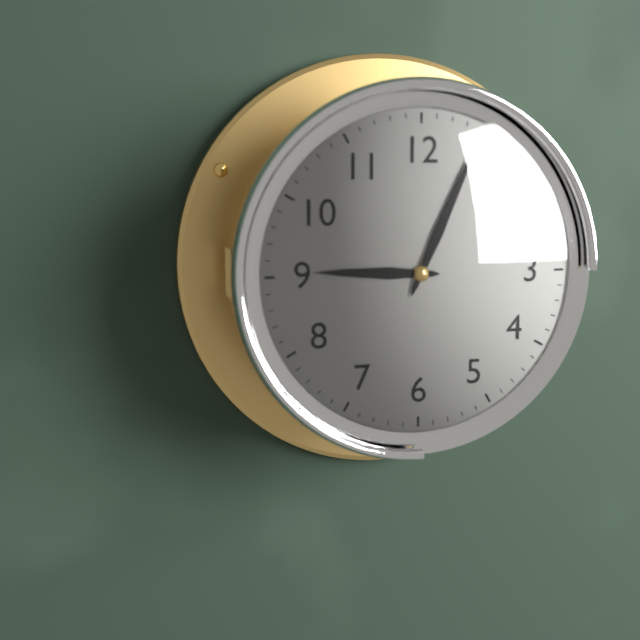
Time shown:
{"hour": 9, "minute": 4}
